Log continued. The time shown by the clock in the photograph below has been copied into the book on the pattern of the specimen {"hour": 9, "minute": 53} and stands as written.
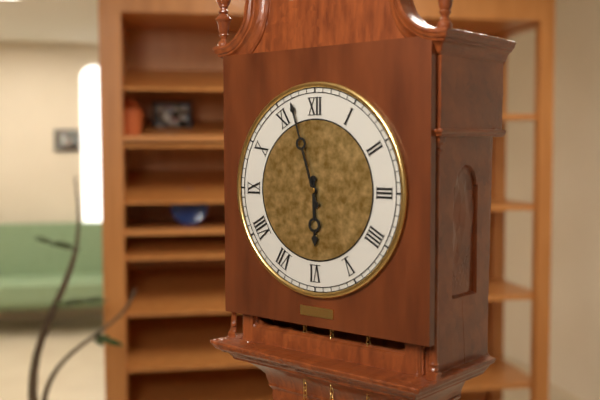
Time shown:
{"hour": 5, "minute": 57}
